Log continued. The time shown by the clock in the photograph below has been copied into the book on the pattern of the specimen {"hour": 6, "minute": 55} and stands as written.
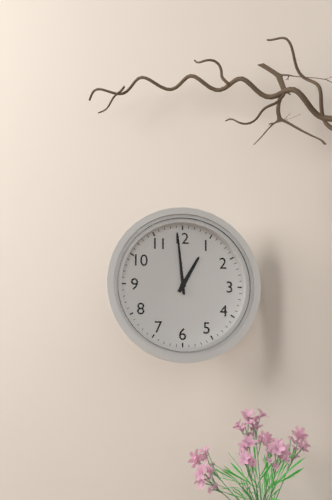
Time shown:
{"hour": 12, "minute": 59}
